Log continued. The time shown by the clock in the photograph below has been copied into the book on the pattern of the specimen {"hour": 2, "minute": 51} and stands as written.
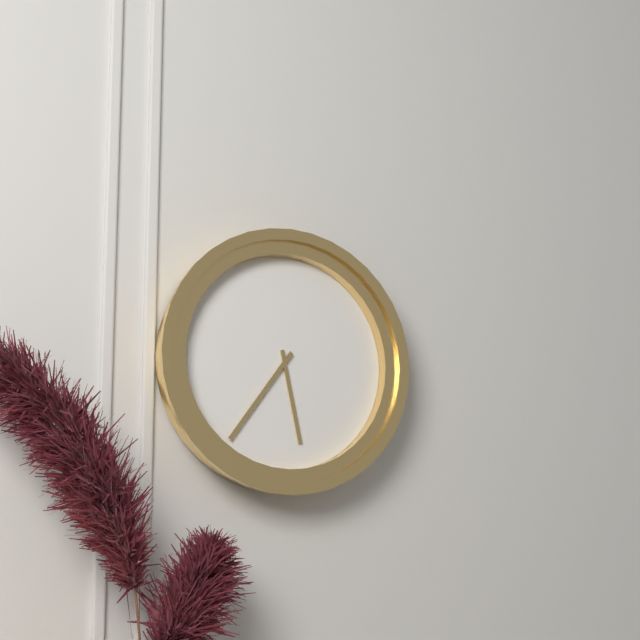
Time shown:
{"hour": 5, "minute": 36}
